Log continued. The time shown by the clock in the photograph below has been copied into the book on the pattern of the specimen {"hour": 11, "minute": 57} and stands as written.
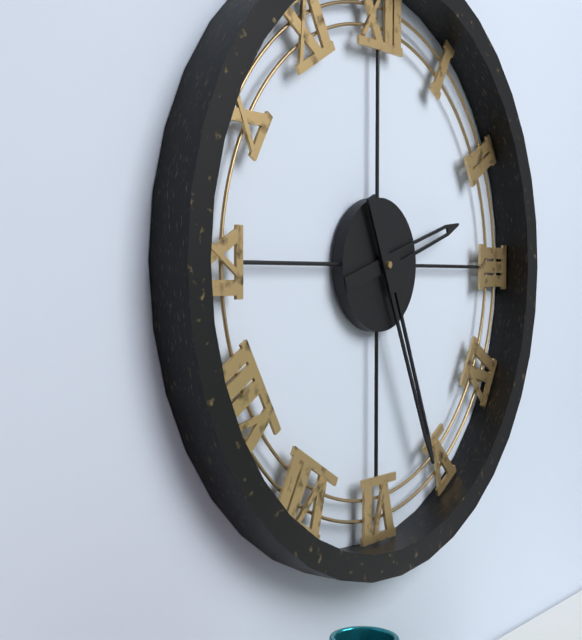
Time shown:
{"hour": 2, "minute": 26}
